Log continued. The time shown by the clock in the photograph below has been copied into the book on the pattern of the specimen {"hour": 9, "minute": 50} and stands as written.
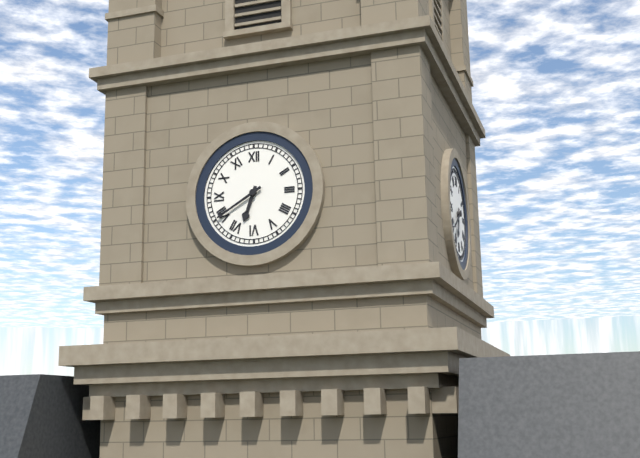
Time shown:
{"hour": 6, "minute": 40}
